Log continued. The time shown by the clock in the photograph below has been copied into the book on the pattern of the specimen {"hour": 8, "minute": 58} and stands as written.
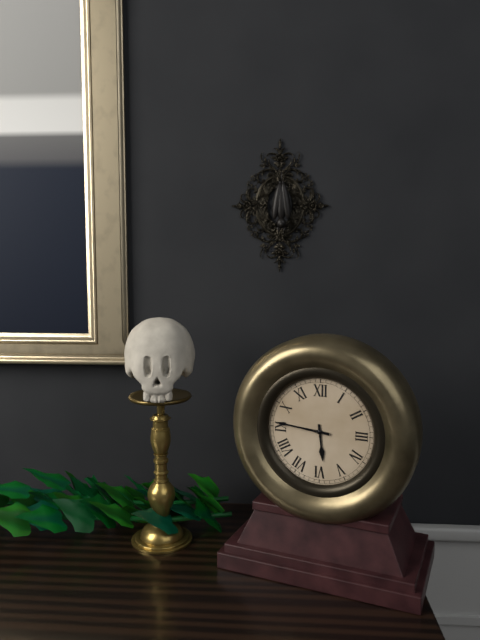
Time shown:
{"hour": 5, "minute": 46}
